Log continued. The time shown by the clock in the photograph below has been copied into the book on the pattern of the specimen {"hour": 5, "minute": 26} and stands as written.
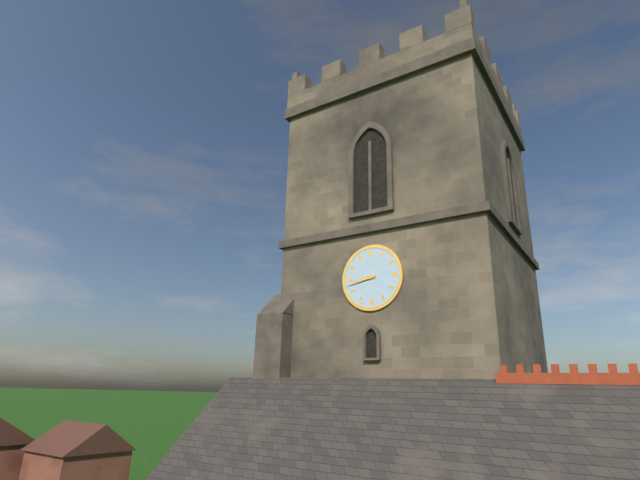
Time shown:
{"hour": 8, "minute": 43}
